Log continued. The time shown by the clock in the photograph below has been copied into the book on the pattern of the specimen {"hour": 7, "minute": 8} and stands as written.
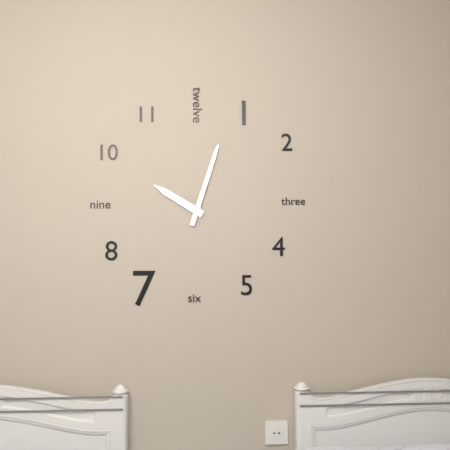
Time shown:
{"hour": 10, "minute": 3}
